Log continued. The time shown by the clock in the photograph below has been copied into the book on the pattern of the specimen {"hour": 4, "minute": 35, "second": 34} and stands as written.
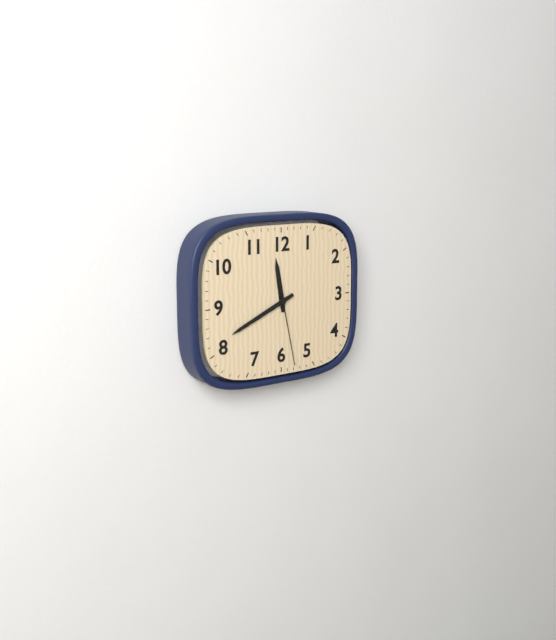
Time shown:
{"hour": 11, "minute": 41, "second": 28}
